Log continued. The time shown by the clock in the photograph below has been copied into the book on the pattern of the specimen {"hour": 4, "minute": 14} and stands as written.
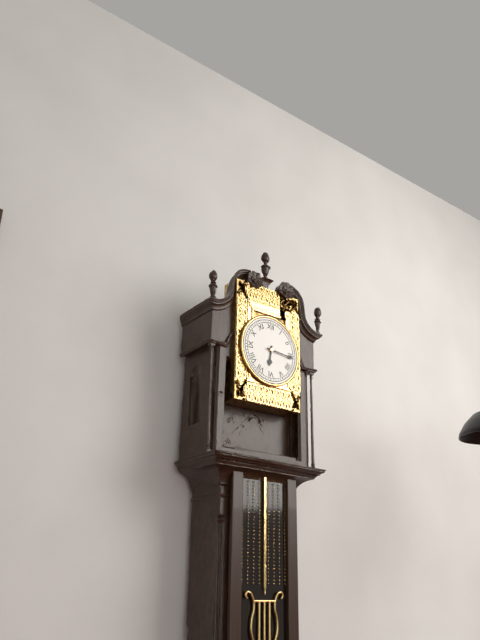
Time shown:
{"hour": 6, "minute": 16}
